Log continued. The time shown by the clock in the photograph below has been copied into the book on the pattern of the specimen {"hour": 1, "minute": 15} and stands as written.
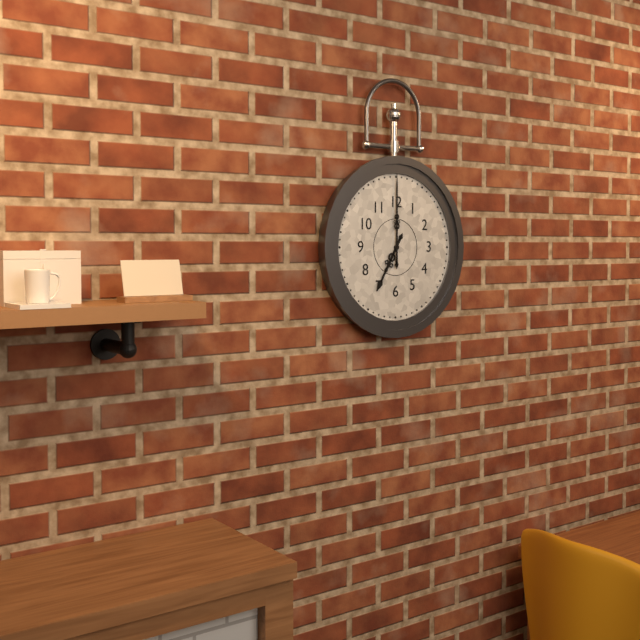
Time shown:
{"hour": 7, "minute": 0}
